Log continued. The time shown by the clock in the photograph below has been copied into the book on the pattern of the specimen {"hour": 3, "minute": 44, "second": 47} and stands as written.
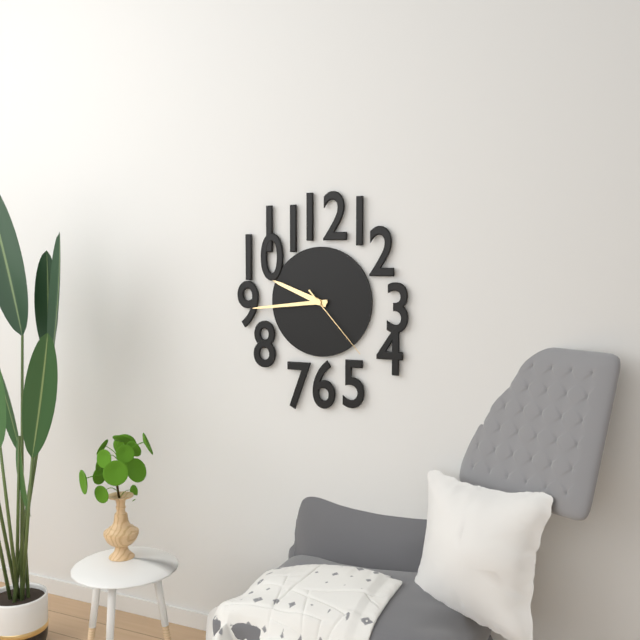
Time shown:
{"hour": 9, "minute": 44, "second": 23}
